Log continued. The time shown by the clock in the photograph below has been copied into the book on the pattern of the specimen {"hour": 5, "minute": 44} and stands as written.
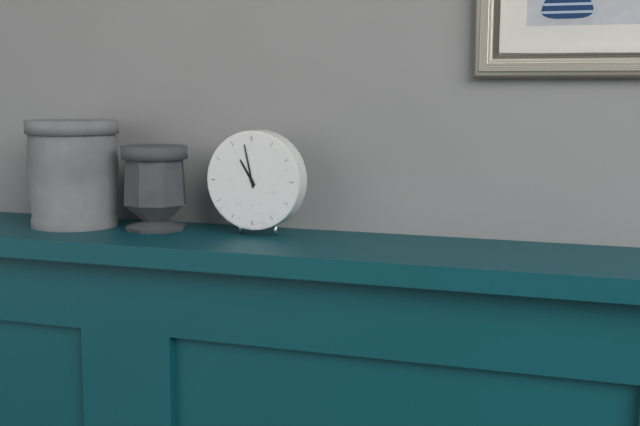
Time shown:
{"hour": 10, "minute": 58}
